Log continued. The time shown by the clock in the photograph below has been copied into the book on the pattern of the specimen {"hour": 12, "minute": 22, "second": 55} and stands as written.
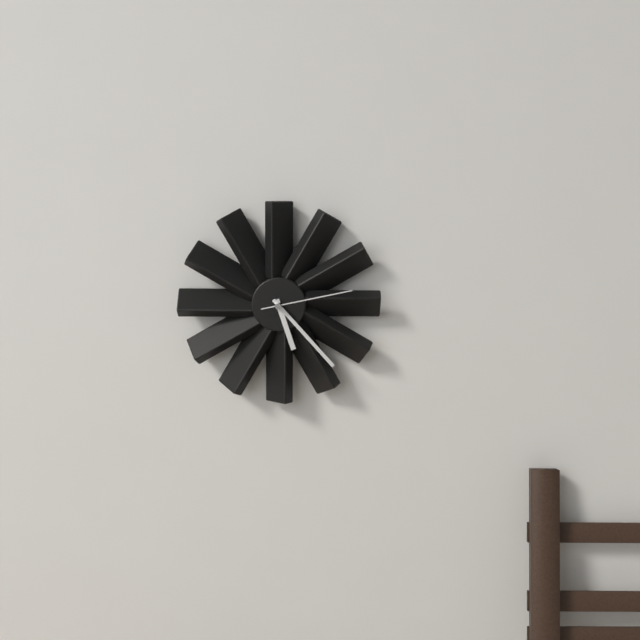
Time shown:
{"hour": 5, "minute": 23, "second": 13}
